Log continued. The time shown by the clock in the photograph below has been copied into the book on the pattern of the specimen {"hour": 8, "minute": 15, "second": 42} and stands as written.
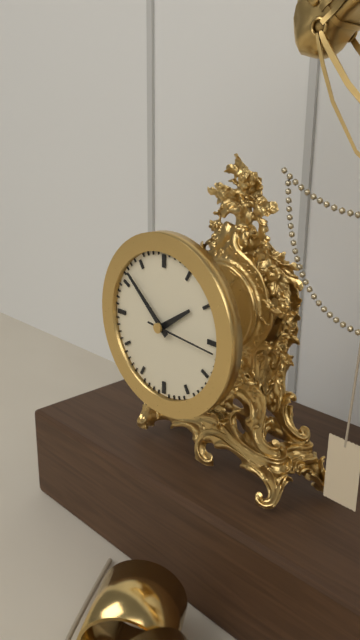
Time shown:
{"hour": 1, "minute": 52, "second": 16}
